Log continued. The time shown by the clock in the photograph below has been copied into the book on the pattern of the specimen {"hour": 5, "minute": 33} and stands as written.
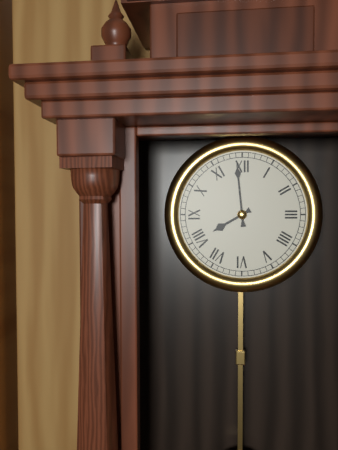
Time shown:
{"hour": 7, "minute": 59}
